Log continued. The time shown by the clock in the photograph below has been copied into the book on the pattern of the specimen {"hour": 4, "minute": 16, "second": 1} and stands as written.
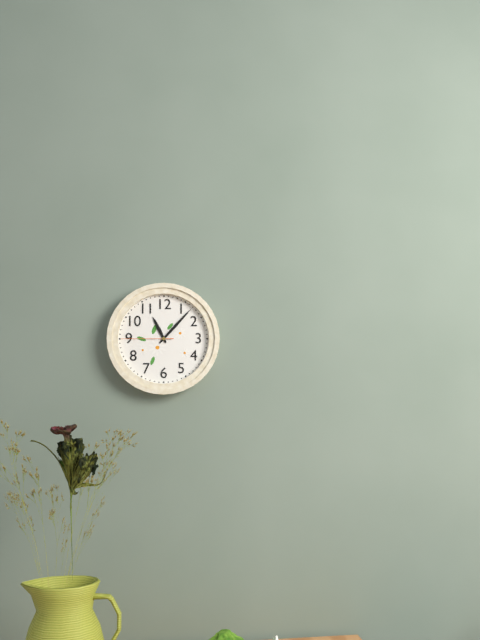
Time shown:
{"hour": 11, "minute": 7, "second": 45}
